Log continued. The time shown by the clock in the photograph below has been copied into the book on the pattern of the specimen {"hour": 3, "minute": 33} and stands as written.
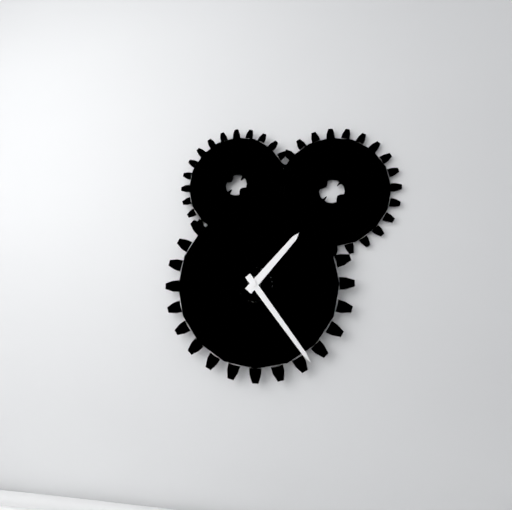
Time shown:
{"hour": 1, "minute": 24}
